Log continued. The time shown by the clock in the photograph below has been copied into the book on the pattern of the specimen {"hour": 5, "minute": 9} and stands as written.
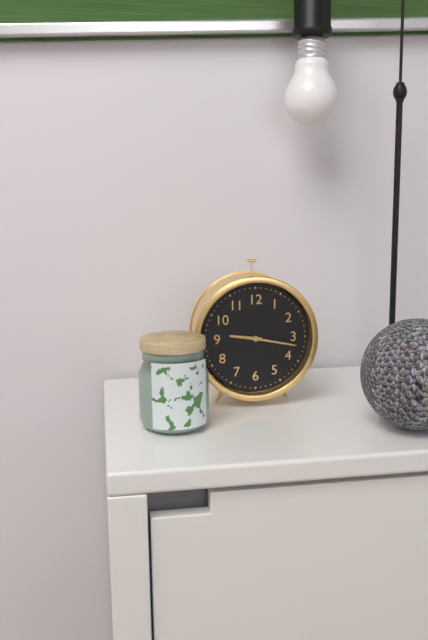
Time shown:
{"hour": 9, "minute": 17}
